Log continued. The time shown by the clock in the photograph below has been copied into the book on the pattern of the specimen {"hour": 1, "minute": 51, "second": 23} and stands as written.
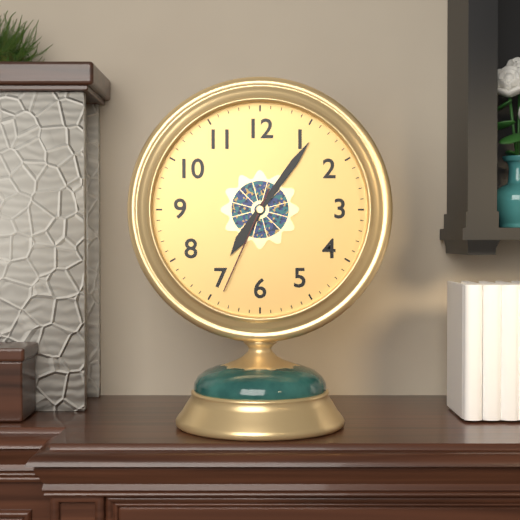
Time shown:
{"hour": 7, "minute": 6, "second": 34}
